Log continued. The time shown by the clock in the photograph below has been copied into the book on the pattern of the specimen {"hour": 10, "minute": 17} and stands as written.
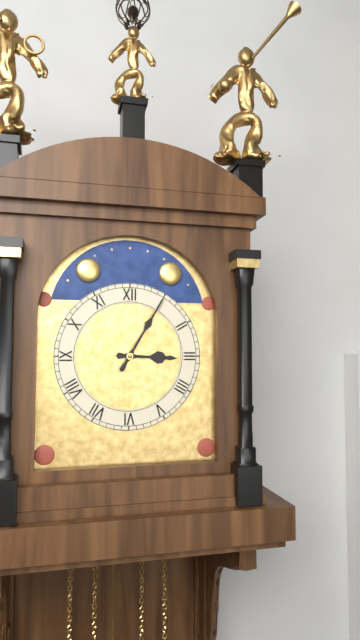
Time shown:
{"hour": 3, "minute": 5}
